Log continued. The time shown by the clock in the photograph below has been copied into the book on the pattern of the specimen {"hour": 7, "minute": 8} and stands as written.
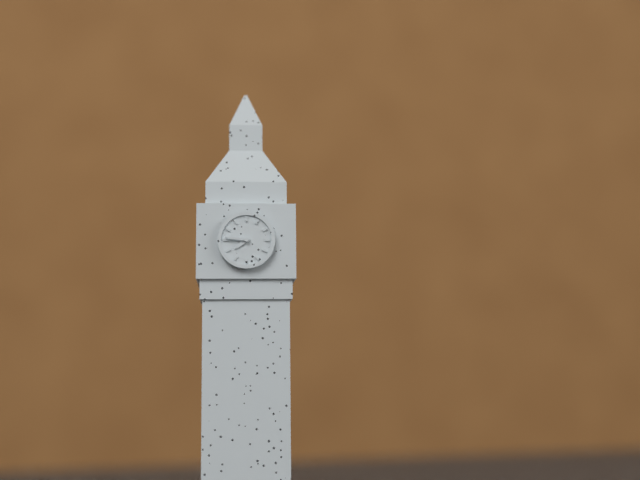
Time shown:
{"hour": 7, "minute": 46}
